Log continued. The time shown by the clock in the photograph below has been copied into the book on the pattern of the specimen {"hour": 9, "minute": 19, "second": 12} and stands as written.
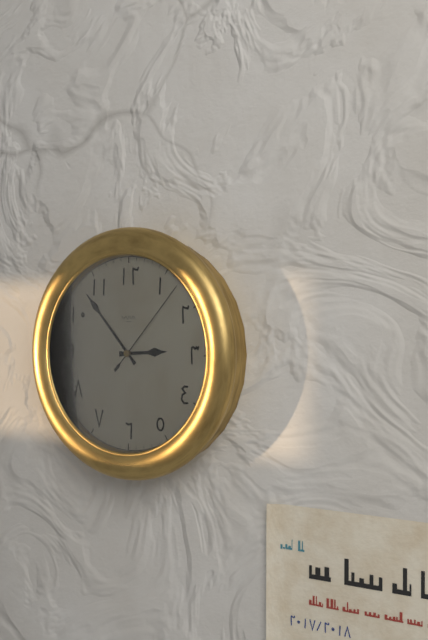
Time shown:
{"hour": 2, "minute": 53, "second": 7}
